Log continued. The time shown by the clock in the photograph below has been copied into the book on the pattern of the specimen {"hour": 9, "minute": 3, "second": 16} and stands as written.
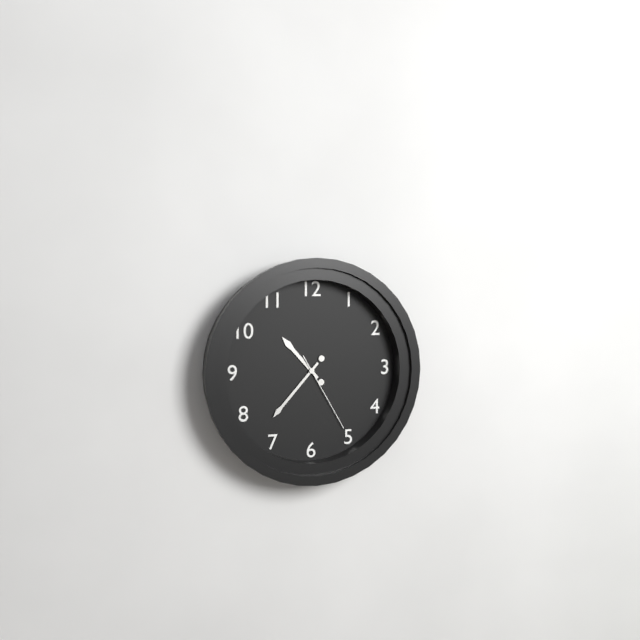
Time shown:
{"hour": 10, "minute": 37, "second": 25}
